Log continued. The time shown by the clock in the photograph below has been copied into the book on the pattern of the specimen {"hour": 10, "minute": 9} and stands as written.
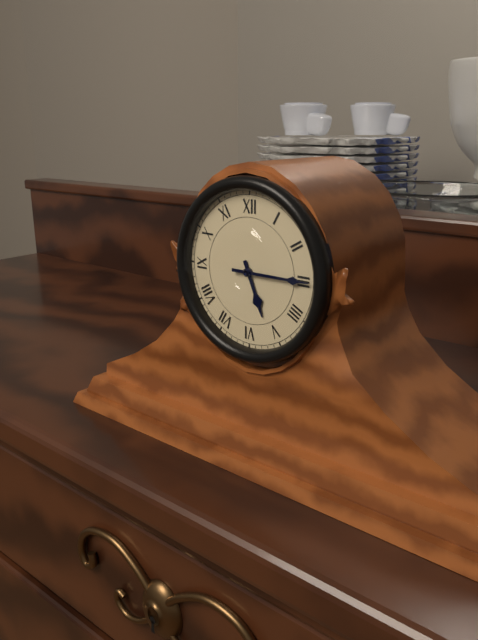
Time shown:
{"hour": 5, "minute": 15}
